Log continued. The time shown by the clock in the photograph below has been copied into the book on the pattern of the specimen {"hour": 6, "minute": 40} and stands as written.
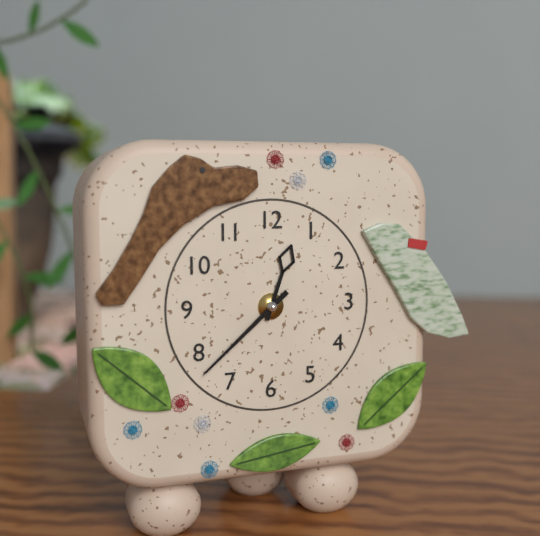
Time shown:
{"hour": 12, "minute": 38}
